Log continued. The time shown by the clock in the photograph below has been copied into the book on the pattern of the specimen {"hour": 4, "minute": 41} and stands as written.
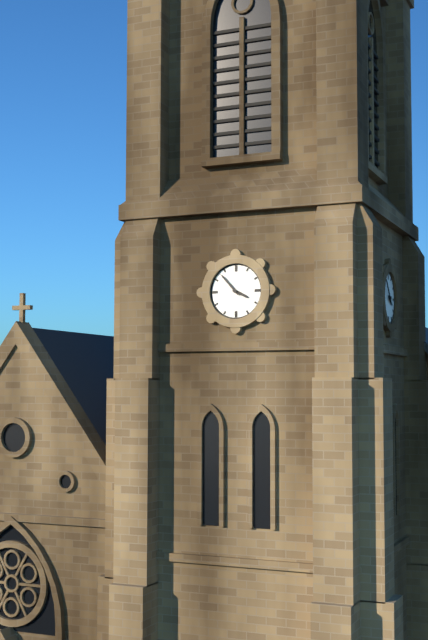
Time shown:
{"hour": 3, "minute": 53}
